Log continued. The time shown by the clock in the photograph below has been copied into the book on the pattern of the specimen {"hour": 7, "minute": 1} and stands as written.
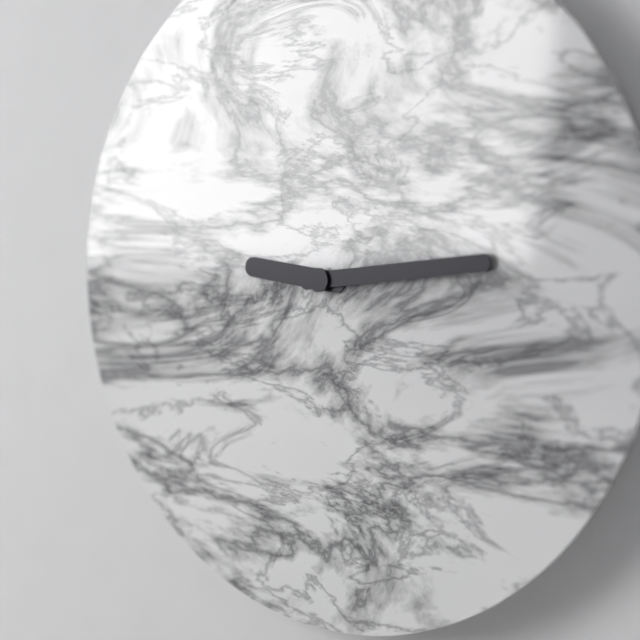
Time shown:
{"hour": 9, "minute": 14}
